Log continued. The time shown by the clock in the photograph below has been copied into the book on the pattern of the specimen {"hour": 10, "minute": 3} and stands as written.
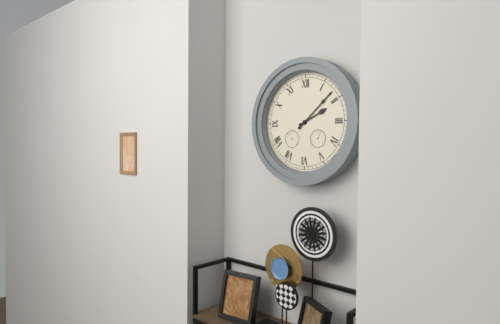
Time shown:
{"hour": 2, "minute": 8}
